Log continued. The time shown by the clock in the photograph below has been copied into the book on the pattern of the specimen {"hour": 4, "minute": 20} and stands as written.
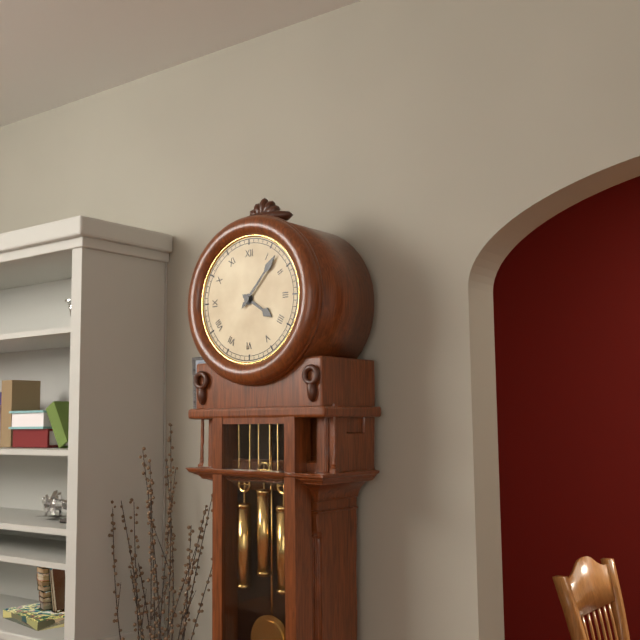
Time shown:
{"hour": 4, "minute": 7}
